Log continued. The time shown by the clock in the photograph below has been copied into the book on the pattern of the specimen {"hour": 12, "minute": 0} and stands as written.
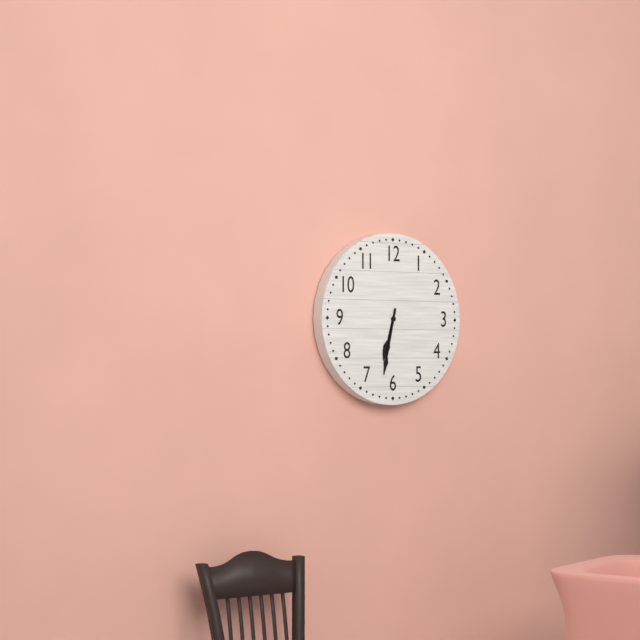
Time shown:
{"hour": 6, "minute": 32}
